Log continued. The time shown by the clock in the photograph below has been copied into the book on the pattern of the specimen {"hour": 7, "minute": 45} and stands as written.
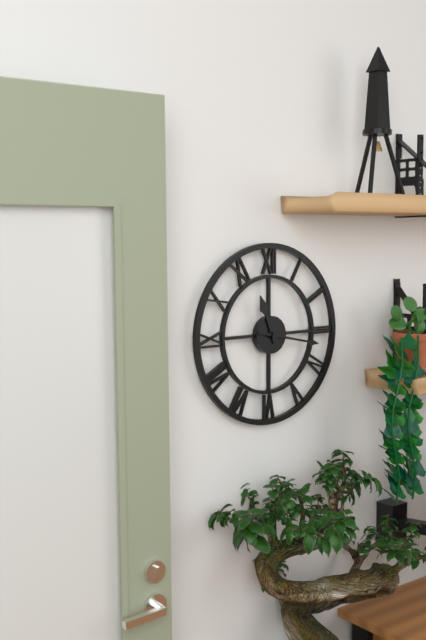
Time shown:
{"hour": 11, "minute": 17}
